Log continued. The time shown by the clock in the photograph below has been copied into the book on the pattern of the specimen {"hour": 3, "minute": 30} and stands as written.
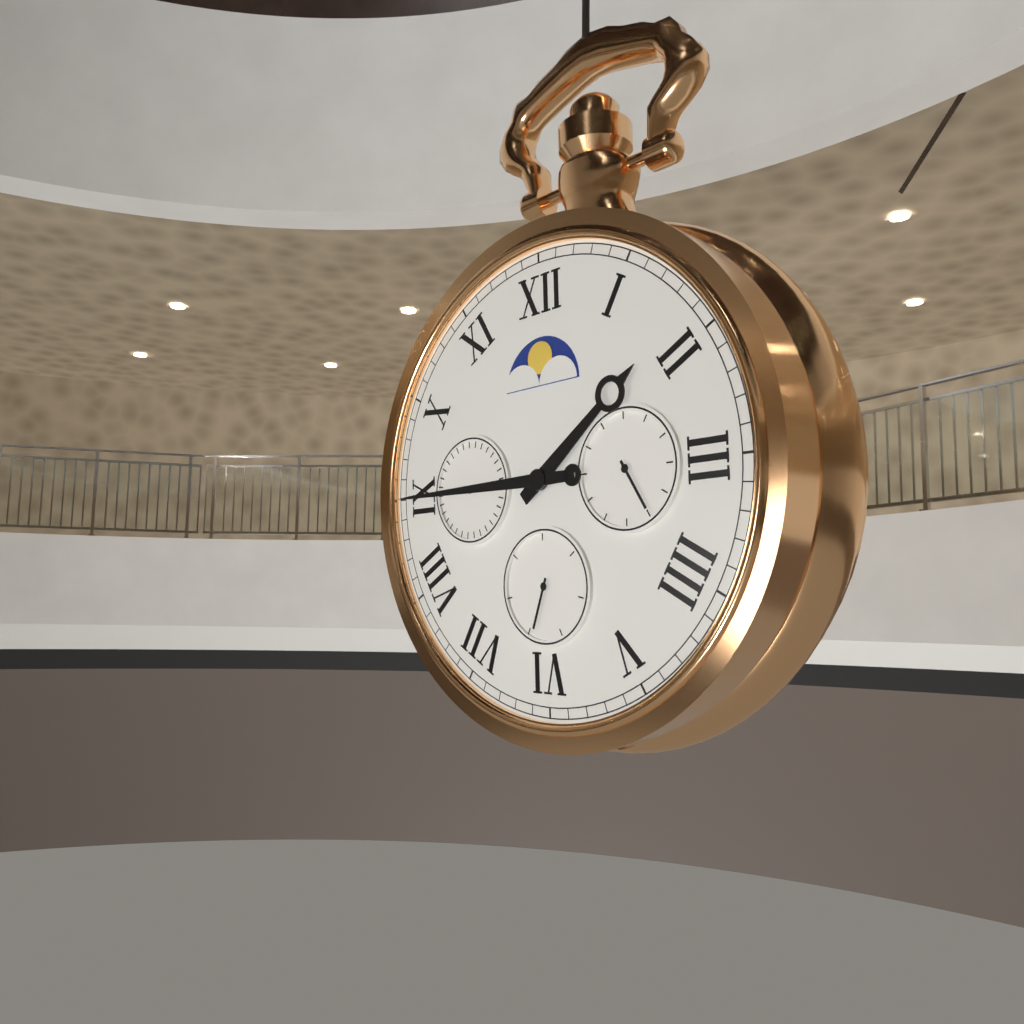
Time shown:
{"hour": 1, "minute": 45}
